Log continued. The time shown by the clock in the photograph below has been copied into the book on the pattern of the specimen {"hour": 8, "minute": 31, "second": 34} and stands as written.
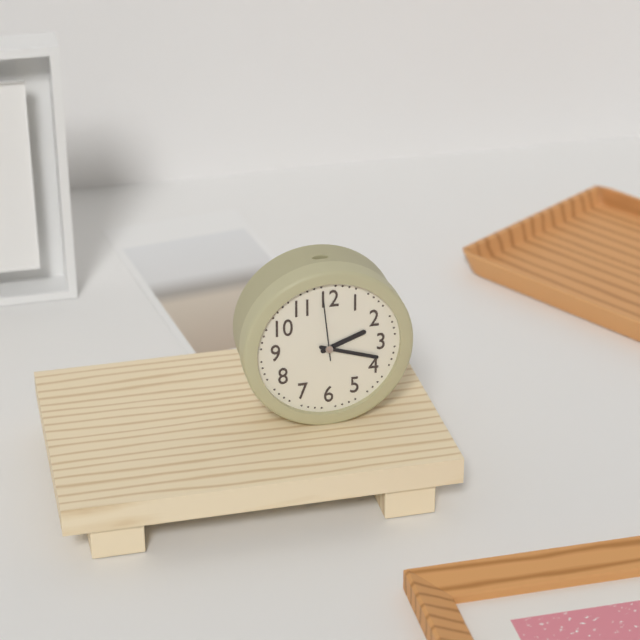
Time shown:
{"hour": 2, "minute": 18, "second": 59}
